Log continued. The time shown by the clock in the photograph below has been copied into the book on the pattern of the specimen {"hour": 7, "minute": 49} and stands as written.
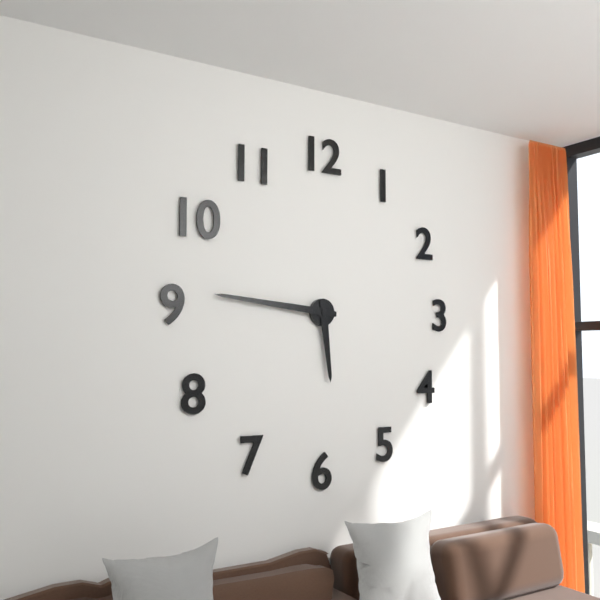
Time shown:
{"hour": 5, "minute": 46}
